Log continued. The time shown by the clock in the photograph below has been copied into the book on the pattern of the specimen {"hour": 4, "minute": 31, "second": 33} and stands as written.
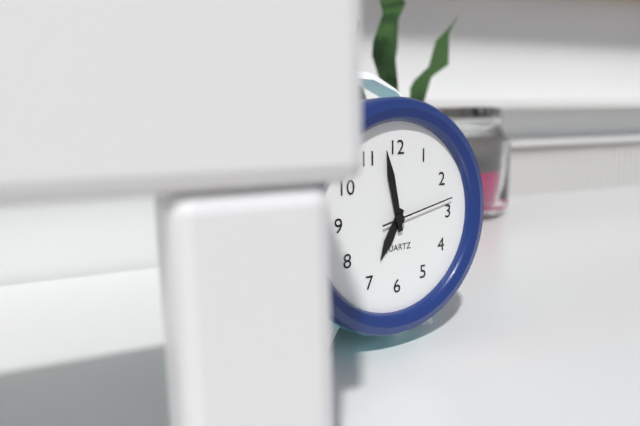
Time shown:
{"hour": 6, "minute": 58, "second": 13}
